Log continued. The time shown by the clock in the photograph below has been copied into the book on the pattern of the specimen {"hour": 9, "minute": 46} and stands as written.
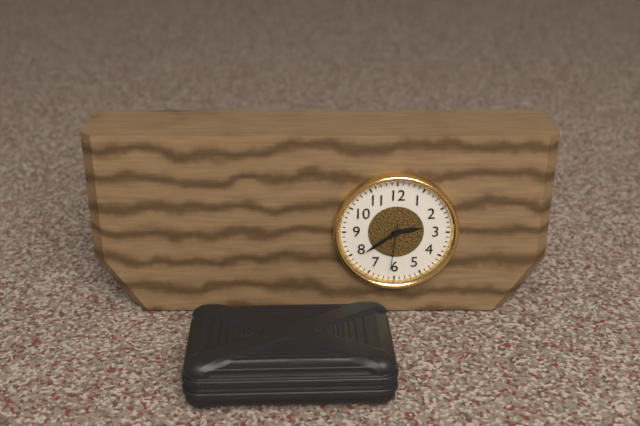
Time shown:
{"hour": 2, "minute": 39}
